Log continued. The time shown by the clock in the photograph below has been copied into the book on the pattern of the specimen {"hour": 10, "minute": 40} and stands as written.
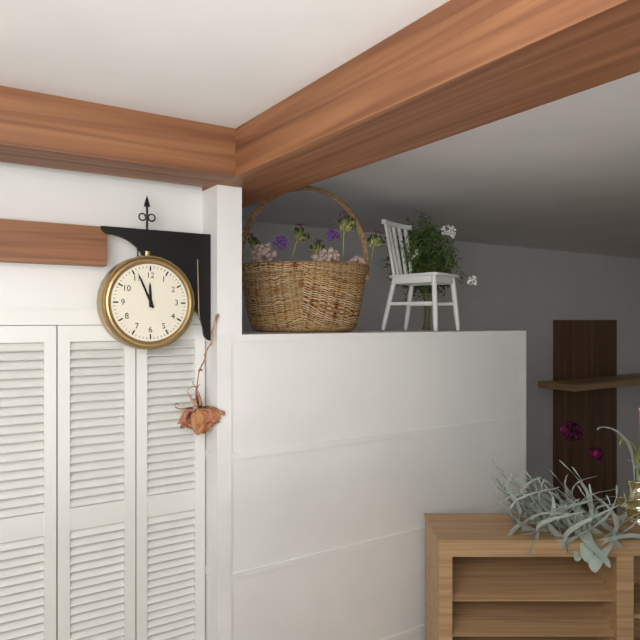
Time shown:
{"hour": 11, "minute": 56}
